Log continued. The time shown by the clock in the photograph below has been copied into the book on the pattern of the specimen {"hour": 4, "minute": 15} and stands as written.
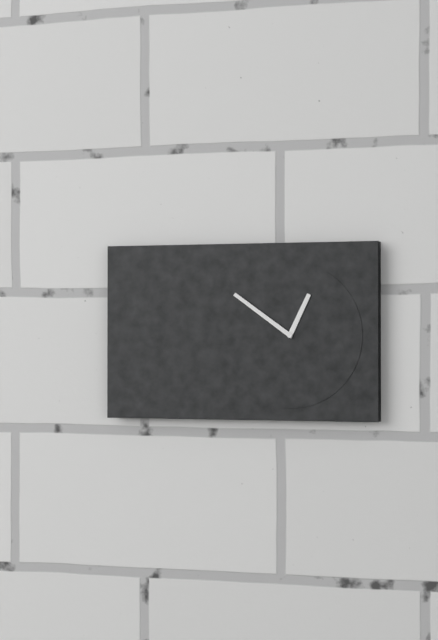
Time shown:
{"hour": 12, "minute": 51}
